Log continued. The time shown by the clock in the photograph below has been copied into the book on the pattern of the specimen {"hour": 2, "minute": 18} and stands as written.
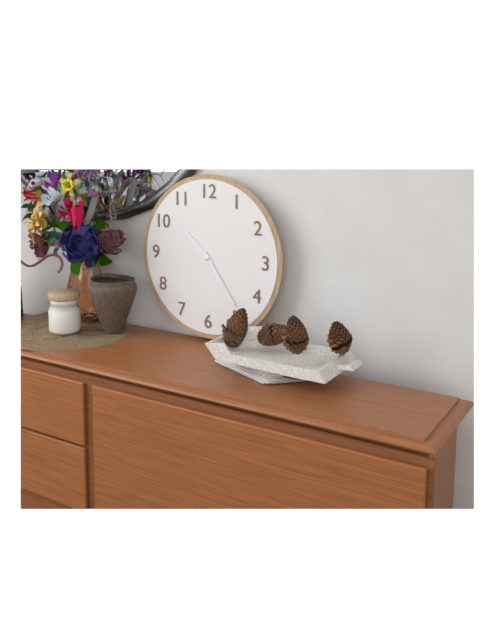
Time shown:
{"hour": 10, "minute": 24}
